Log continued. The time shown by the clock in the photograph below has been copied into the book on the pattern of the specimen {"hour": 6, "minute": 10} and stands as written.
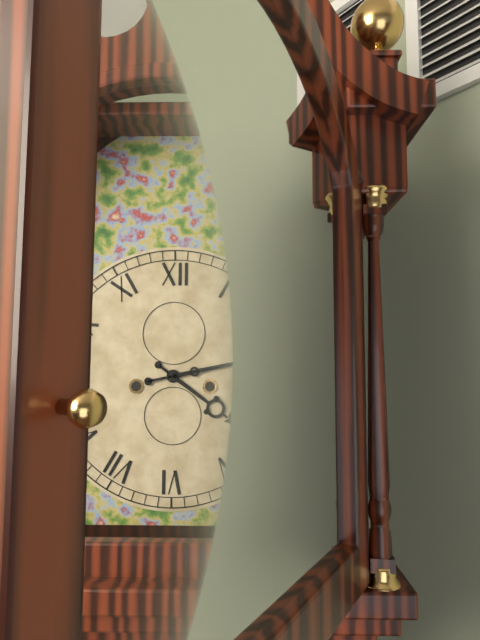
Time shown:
{"hour": 4, "minute": 13}
